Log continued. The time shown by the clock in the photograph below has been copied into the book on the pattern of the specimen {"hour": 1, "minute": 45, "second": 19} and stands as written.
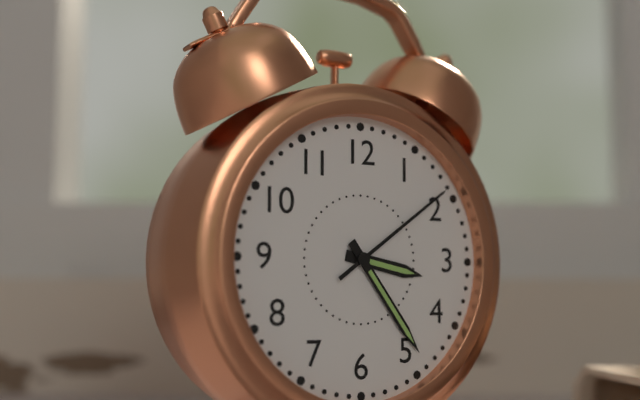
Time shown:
{"hour": 3, "minute": 24, "second": 9}
